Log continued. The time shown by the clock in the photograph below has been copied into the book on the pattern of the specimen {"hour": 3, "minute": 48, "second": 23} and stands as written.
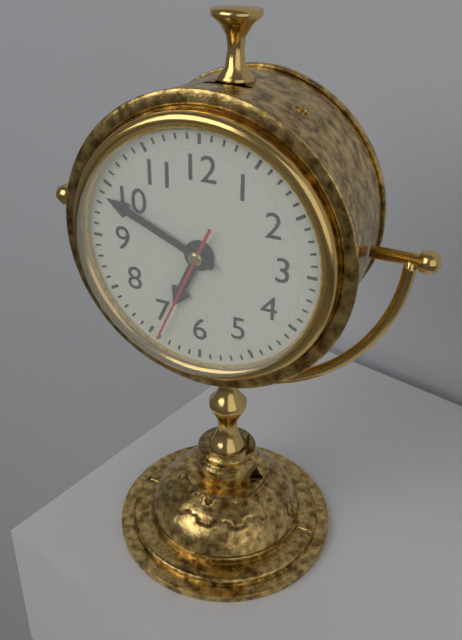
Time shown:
{"hour": 6, "minute": 49, "second": 34}
